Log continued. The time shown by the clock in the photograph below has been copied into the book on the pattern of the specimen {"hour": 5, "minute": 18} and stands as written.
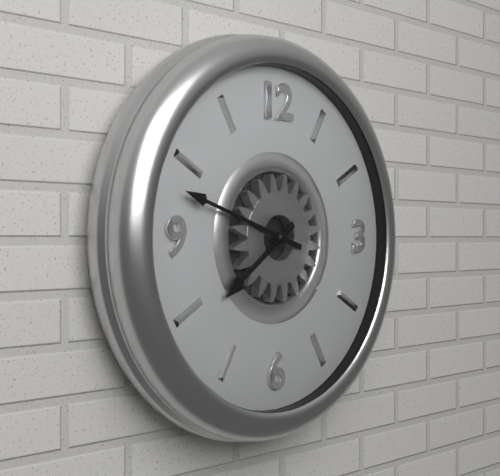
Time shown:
{"hour": 7, "minute": 48}
